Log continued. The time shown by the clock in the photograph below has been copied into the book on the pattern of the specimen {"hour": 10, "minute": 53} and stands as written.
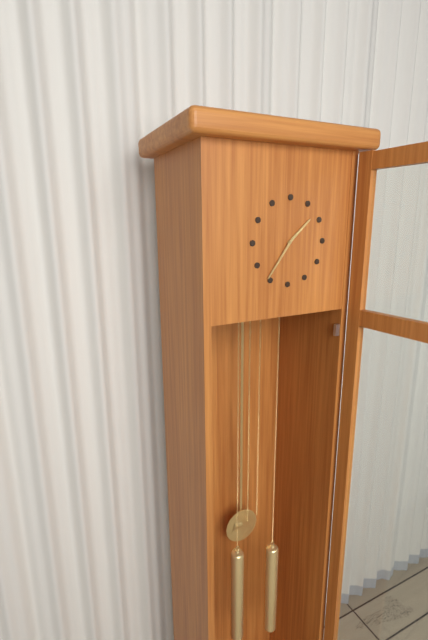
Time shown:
{"hour": 1, "minute": 36}
